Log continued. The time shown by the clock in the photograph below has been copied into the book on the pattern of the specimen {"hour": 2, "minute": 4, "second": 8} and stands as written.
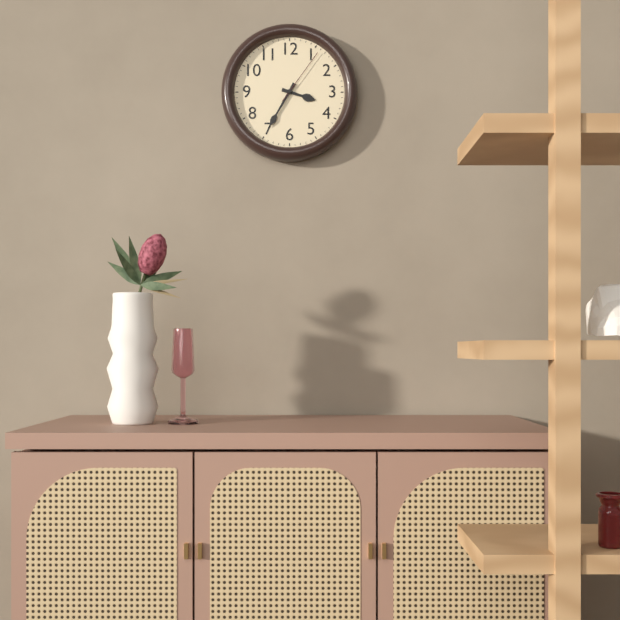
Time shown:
{"hour": 3, "minute": 35, "second": 6}
